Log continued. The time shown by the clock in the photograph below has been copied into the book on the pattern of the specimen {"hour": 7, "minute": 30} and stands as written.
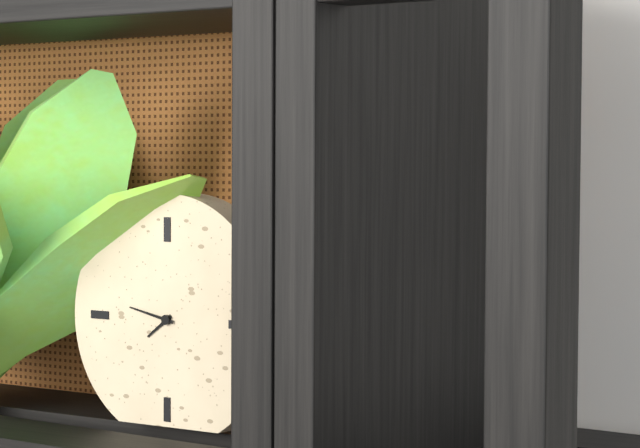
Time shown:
{"hour": 7, "minute": 47}
